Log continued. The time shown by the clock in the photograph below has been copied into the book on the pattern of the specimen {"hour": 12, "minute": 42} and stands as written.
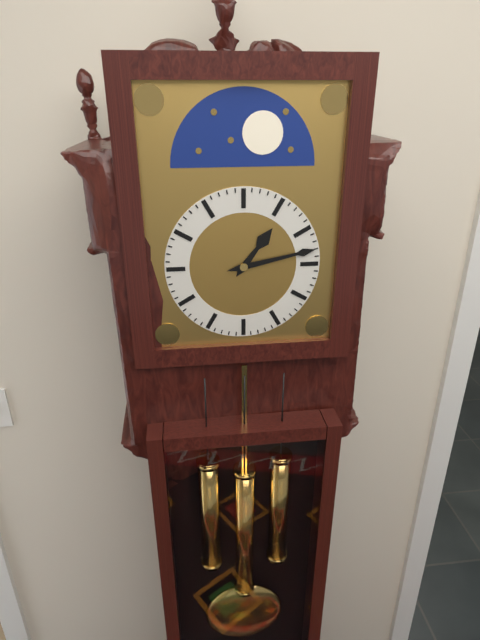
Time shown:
{"hour": 1, "minute": 13}
